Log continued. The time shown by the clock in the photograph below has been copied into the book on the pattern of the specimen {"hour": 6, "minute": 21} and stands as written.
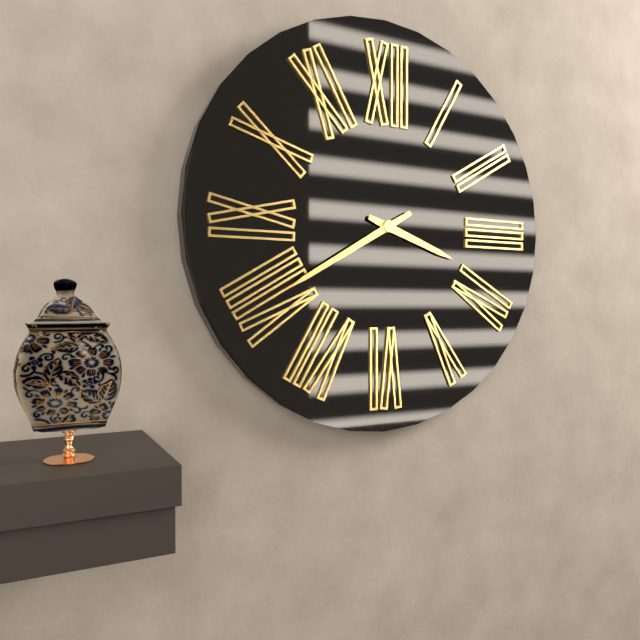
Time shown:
{"hour": 3, "minute": 40}
